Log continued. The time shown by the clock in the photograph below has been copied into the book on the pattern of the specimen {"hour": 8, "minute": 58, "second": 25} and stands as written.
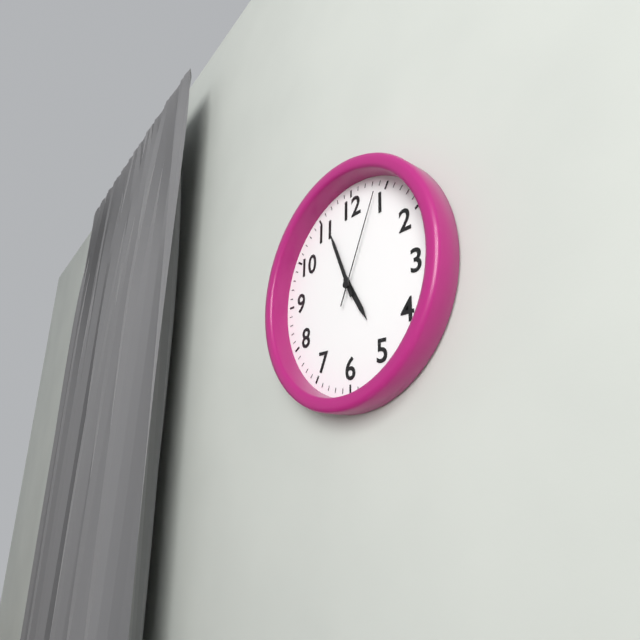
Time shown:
{"hour": 4, "minute": 56, "second": 4}
